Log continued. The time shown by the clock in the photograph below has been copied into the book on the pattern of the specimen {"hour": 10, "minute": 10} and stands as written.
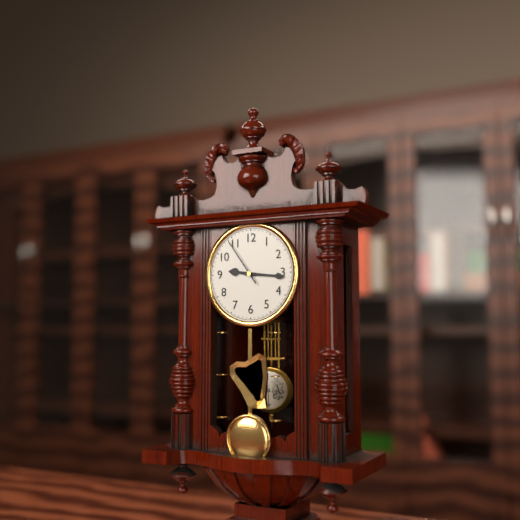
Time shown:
{"hour": 9, "minute": 16}
